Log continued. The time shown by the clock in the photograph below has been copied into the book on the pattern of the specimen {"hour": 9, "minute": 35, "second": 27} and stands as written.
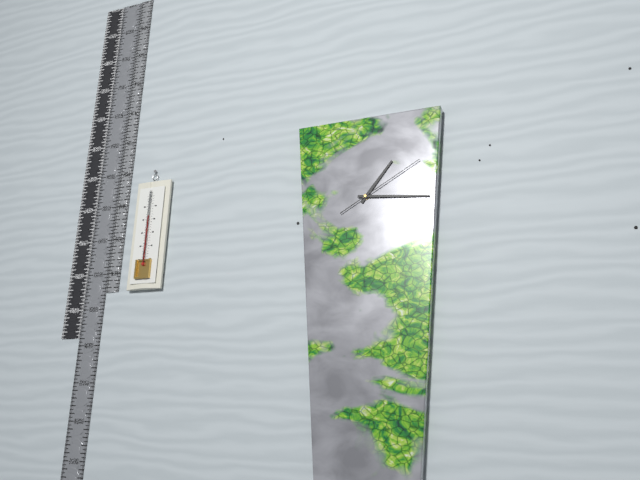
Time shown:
{"hour": 1, "minute": 16, "second": 10}
